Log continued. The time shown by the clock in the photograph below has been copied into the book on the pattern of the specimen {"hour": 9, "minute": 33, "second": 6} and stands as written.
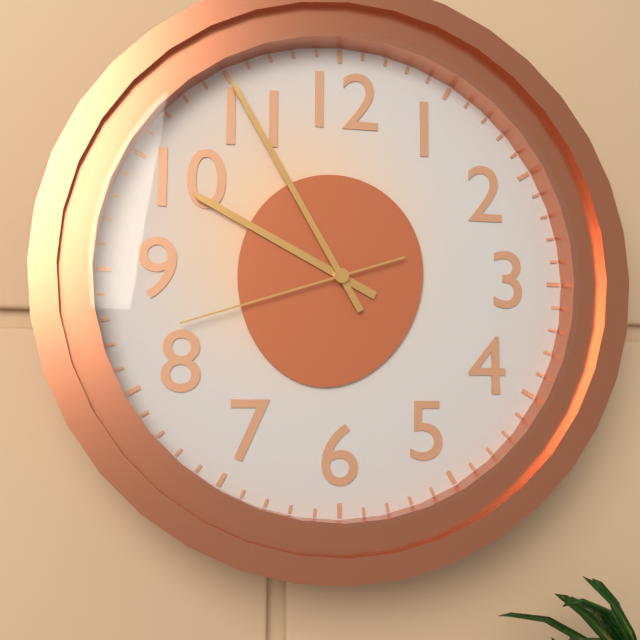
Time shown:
{"hour": 9, "minute": 55, "second": 42}
